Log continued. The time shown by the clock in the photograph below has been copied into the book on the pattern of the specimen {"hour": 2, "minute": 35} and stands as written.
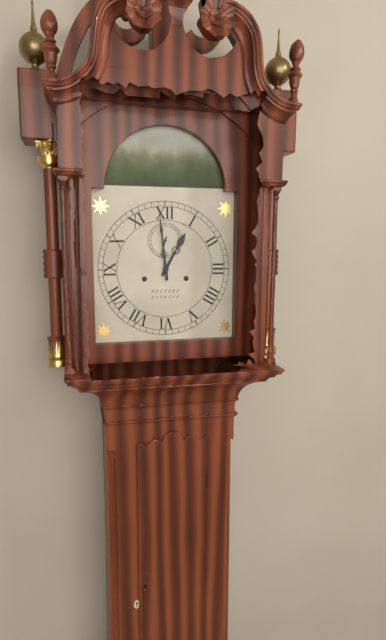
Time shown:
{"hour": 12, "minute": 59}
